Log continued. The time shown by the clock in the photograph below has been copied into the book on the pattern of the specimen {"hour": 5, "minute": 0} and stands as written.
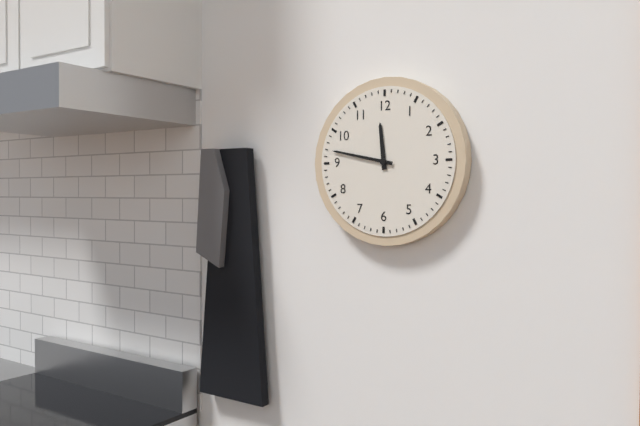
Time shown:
{"hour": 11, "minute": 47}
